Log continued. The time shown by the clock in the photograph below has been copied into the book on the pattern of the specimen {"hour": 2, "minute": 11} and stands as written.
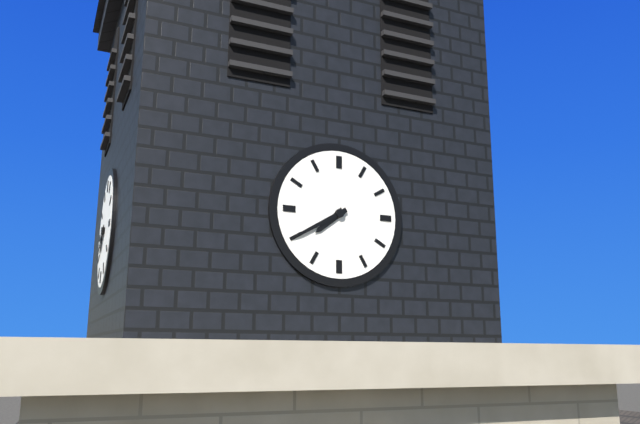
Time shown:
{"hour": 7, "minute": 40}
